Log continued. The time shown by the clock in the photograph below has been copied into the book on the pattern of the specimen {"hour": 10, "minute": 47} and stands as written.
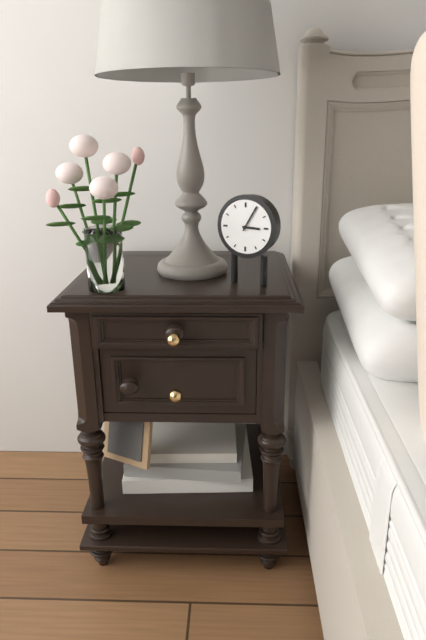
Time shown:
{"hour": 3, "minute": 5}
